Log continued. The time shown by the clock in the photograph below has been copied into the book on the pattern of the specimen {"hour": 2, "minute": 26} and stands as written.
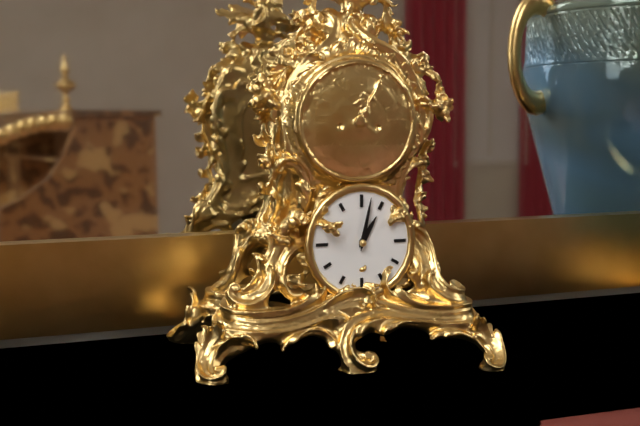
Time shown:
{"hour": 1, "minute": 2}
